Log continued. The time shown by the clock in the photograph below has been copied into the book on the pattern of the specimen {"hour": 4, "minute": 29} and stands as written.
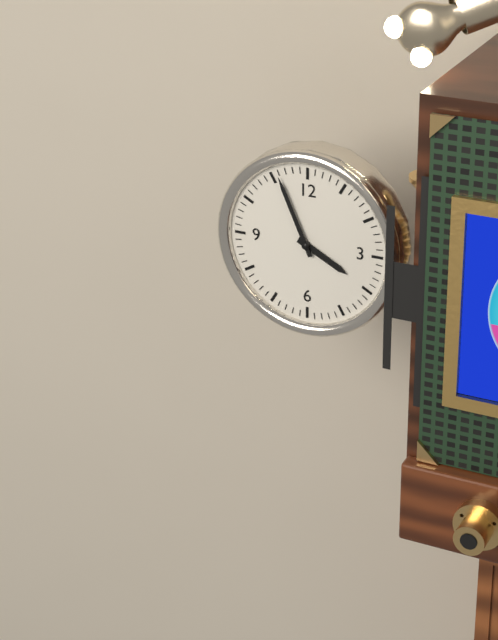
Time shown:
{"hour": 3, "minute": 56}
